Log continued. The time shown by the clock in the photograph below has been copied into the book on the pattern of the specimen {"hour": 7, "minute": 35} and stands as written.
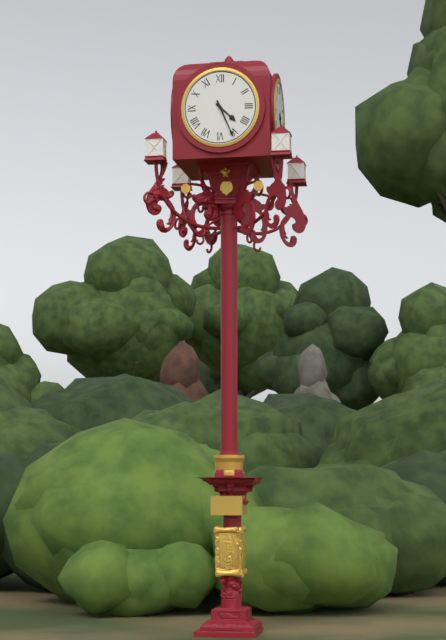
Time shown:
{"hour": 4, "minute": 26}
